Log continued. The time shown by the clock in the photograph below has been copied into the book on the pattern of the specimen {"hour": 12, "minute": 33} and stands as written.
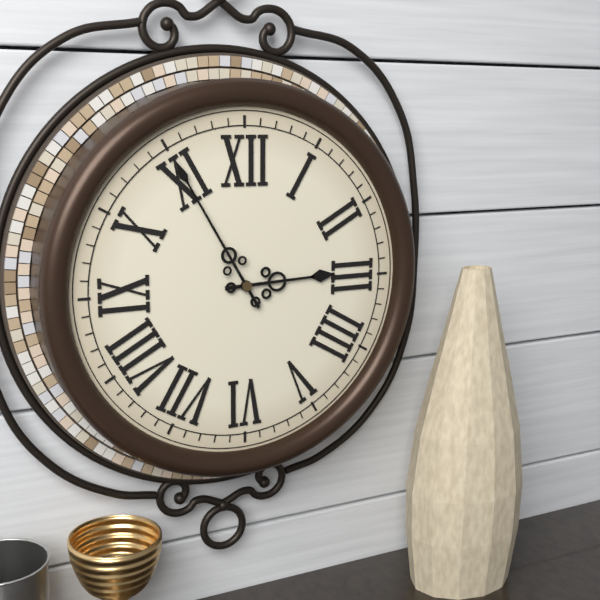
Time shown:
{"hour": 2, "minute": 55}
